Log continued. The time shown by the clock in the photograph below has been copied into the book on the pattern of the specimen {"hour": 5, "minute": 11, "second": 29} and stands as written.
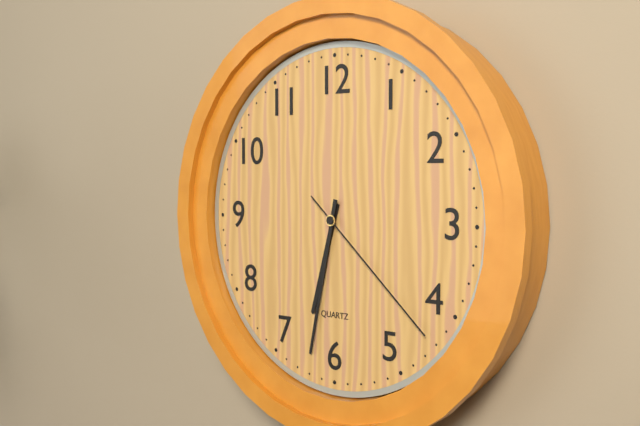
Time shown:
{"hour": 6, "minute": 32, "second": 22}
